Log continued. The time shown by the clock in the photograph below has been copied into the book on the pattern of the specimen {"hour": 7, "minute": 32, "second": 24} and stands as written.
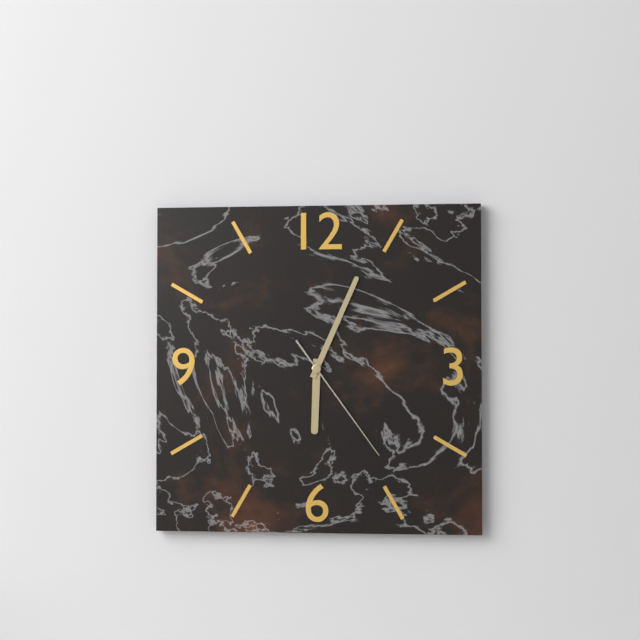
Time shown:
{"hour": 6, "minute": 4, "second": 24}
